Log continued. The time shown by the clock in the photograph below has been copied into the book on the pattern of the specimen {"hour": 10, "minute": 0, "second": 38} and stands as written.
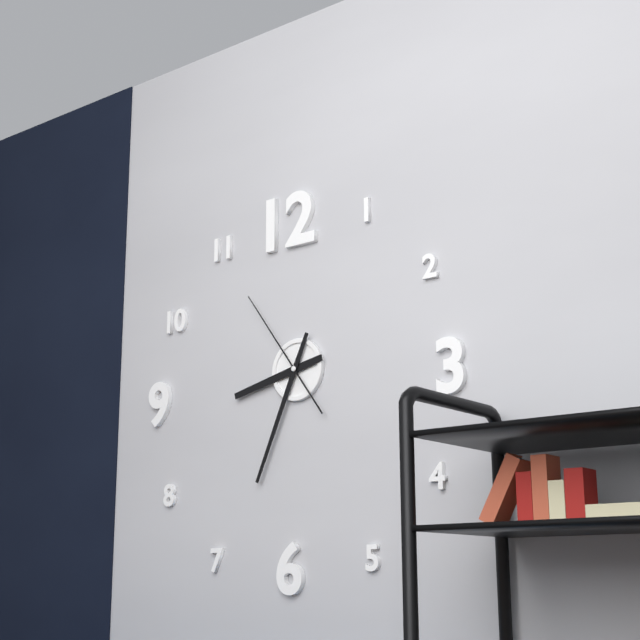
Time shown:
{"hour": 8, "minute": 34, "second": 54}
